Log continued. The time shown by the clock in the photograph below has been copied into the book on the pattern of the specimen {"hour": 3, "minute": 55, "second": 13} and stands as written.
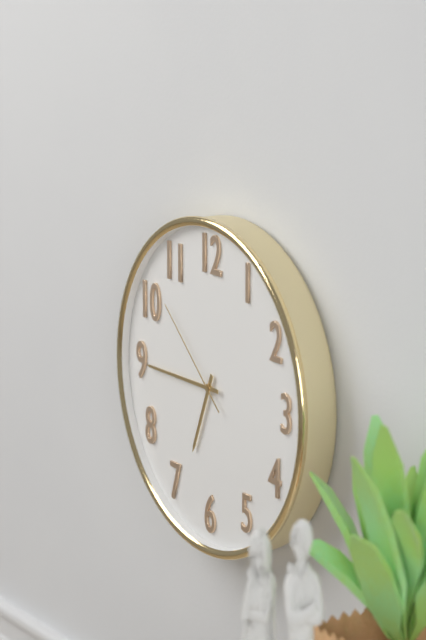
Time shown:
{"hour": 6, "minute": 45, "second": 52}
